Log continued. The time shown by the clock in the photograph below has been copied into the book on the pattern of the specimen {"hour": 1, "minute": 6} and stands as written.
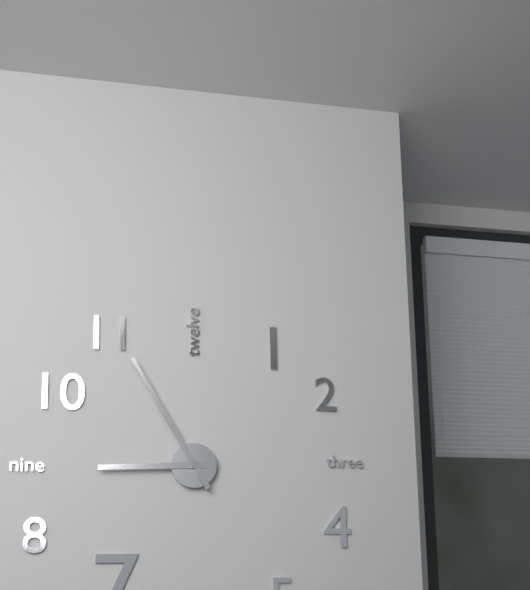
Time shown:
{"hour": 8, "minute": 55}
